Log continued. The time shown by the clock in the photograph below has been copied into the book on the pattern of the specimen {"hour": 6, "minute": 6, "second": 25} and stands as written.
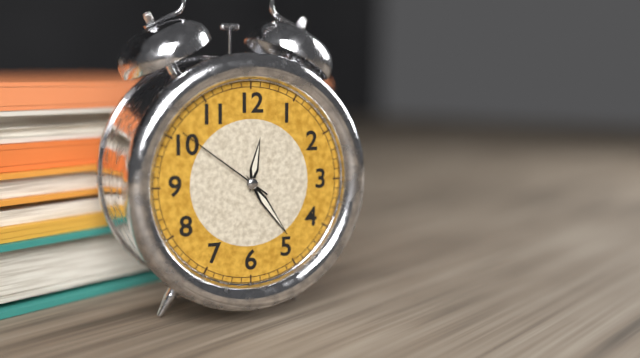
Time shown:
{"hour": 12, "minute": 24, "second": 51}
